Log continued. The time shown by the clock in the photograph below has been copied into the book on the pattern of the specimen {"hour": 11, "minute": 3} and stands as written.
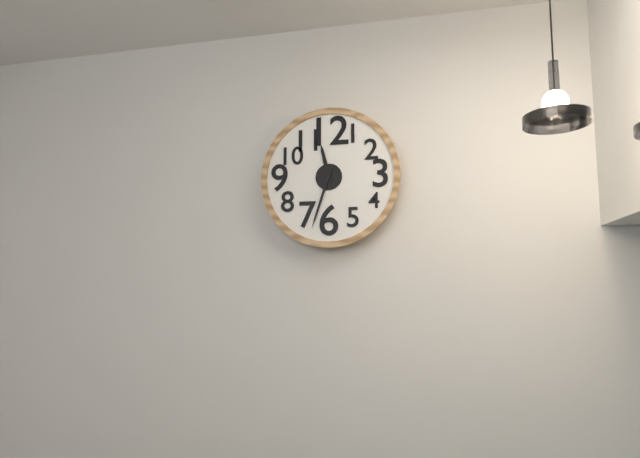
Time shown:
{"hour": 11, "minute": 33}
